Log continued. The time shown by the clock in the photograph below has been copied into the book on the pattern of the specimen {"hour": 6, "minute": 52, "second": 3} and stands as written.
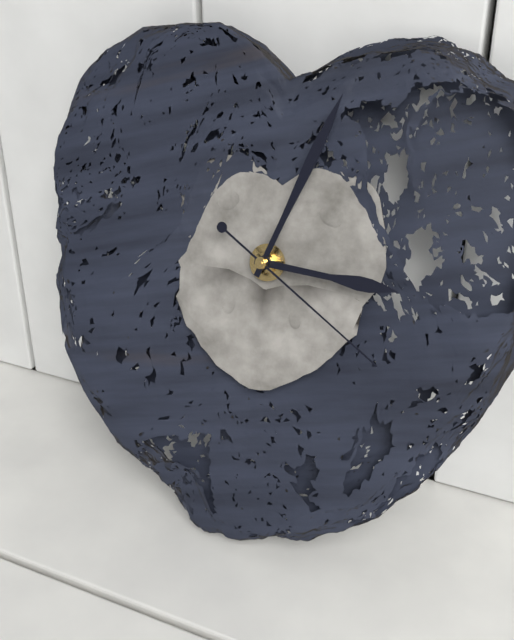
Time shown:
{"hour": 3, "minute": 3, "second": 20}
